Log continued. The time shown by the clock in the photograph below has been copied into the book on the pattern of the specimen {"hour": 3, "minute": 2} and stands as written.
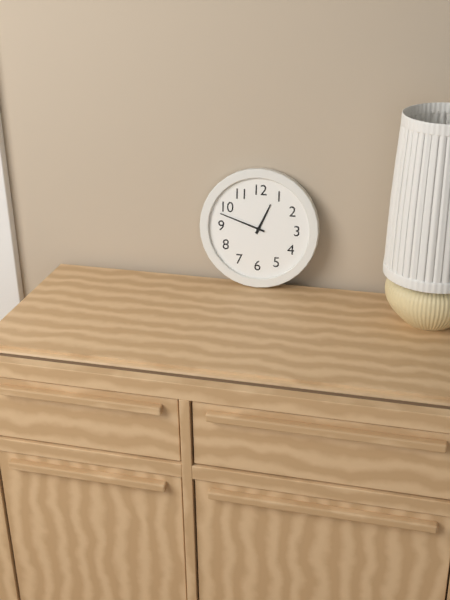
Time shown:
{"hour": 12, "minute": 48}
